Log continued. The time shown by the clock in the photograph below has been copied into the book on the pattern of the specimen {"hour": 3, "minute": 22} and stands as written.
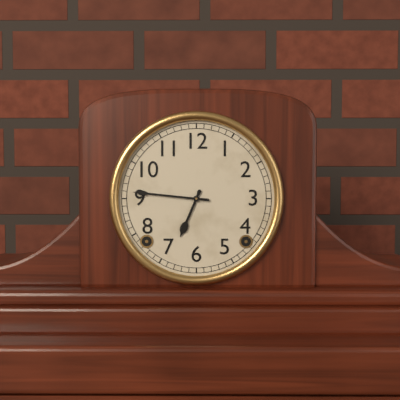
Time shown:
{"hour": 6, "minute": 46}
